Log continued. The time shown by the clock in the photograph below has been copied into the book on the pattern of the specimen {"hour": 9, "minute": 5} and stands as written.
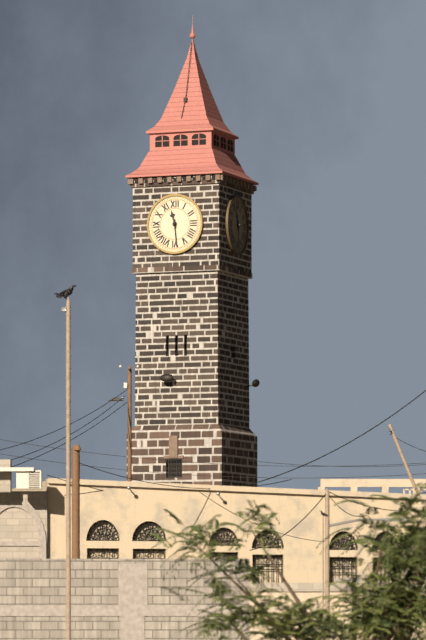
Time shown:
{"hour": 11, "minute": 29}
